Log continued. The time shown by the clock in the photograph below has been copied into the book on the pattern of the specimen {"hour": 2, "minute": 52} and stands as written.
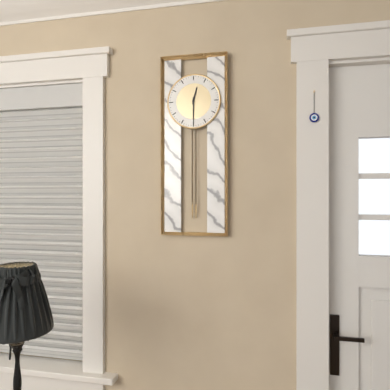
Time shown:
{"hour": 12, "minute": 30}
